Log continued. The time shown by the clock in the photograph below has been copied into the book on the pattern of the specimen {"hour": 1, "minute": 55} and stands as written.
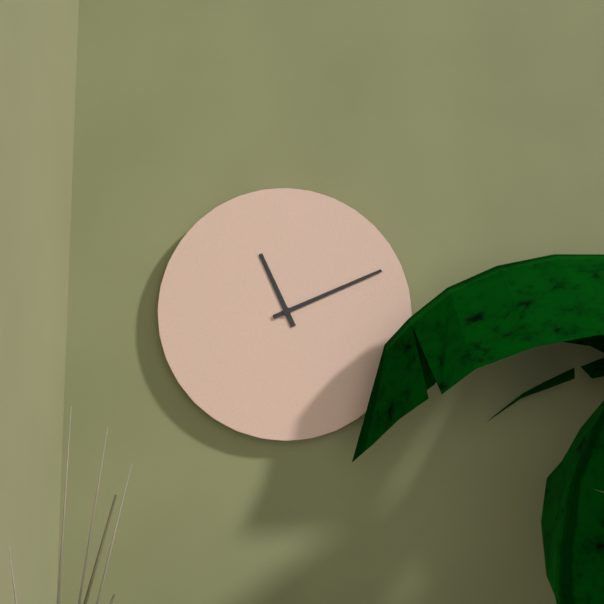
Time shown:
{"hour": 11, "minute": 11}
